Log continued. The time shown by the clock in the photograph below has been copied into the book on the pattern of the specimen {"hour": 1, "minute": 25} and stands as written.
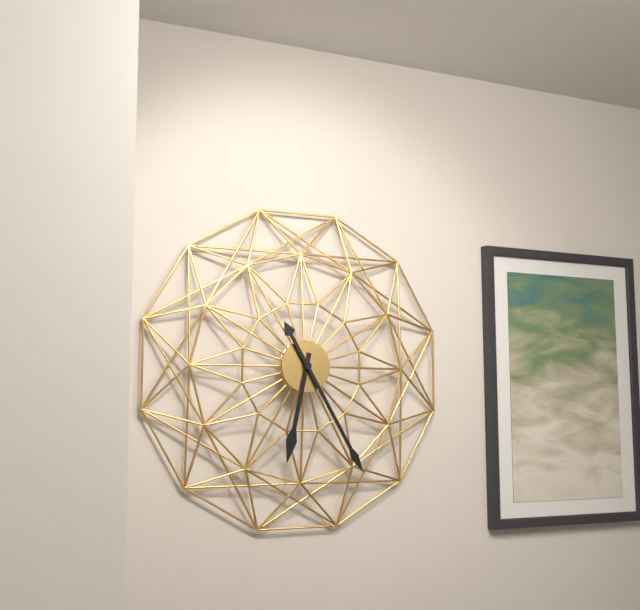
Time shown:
{"hour": 6, "minute": 25}
